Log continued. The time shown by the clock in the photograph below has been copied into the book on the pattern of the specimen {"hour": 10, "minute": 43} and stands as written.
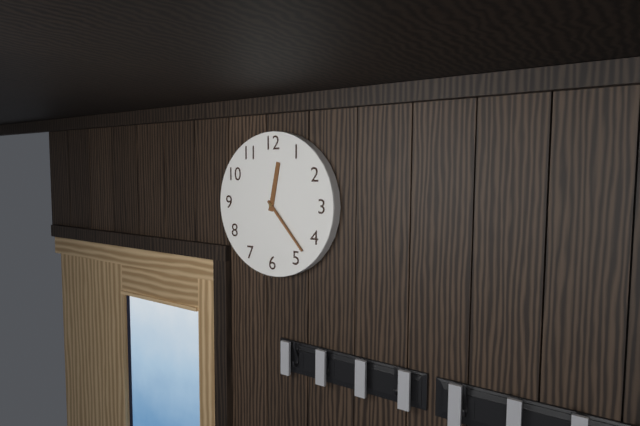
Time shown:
{"hour": 12, "minute": 23}
